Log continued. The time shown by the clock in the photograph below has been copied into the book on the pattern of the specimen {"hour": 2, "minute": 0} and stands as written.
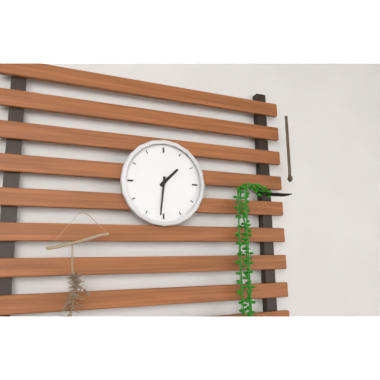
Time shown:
{"hour": 1, "minute": 31}
